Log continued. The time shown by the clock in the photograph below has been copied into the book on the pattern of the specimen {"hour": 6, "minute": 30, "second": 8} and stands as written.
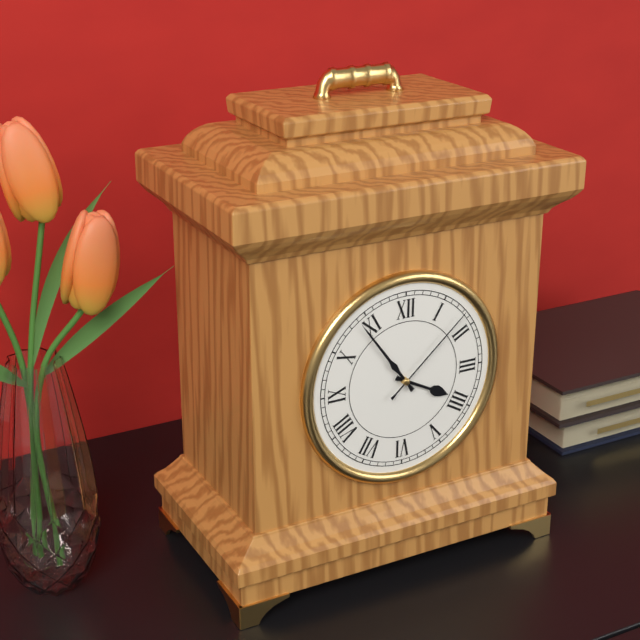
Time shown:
{"hour": 3, "minute": 54, "second": 8}
